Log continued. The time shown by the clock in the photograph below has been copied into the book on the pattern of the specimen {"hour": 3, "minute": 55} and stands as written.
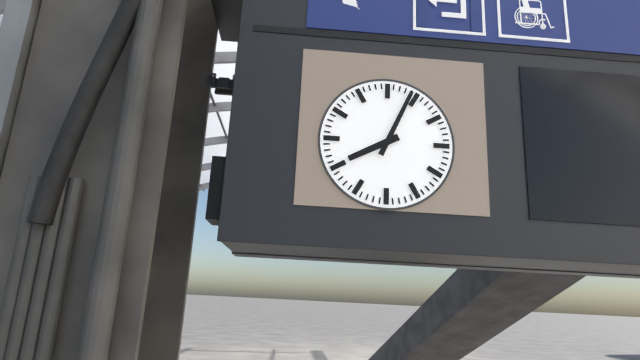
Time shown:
{"hour": 8, "minute": 4}
